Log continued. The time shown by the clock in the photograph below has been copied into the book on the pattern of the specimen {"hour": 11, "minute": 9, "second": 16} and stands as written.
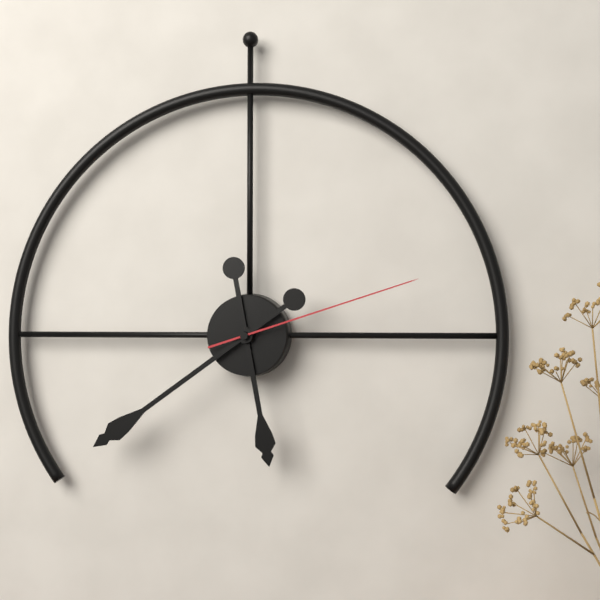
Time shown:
{"hour": 5, "minute": 39, "second": 12}
